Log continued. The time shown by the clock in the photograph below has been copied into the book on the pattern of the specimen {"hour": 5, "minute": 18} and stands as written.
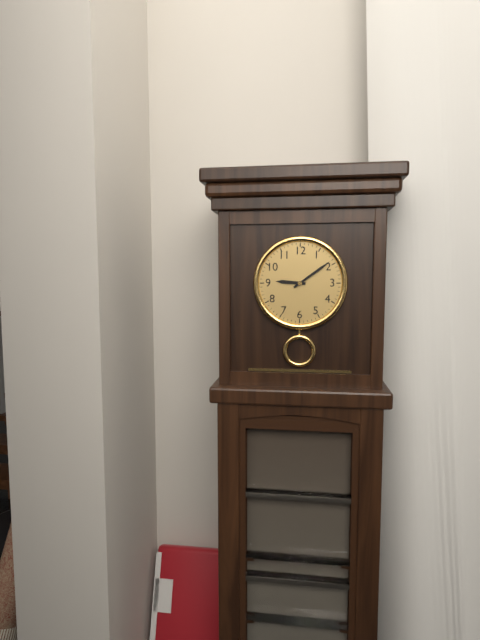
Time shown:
{"hour": 9, "minute": 9}
